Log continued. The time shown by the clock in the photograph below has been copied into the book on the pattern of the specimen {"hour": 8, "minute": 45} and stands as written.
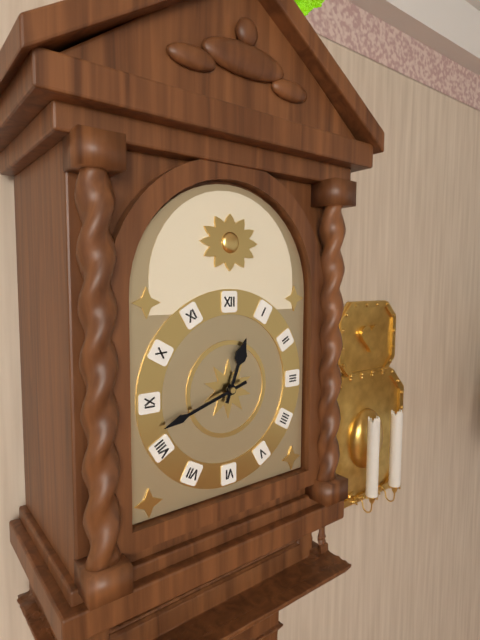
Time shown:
{"hour": 12, "minute": 42}
